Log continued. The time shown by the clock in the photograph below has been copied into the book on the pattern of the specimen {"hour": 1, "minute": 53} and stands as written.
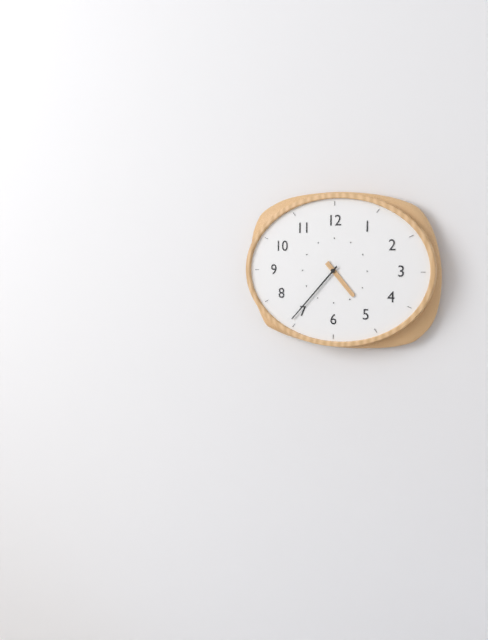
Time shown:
{"hour": 4, "minute": 37}
